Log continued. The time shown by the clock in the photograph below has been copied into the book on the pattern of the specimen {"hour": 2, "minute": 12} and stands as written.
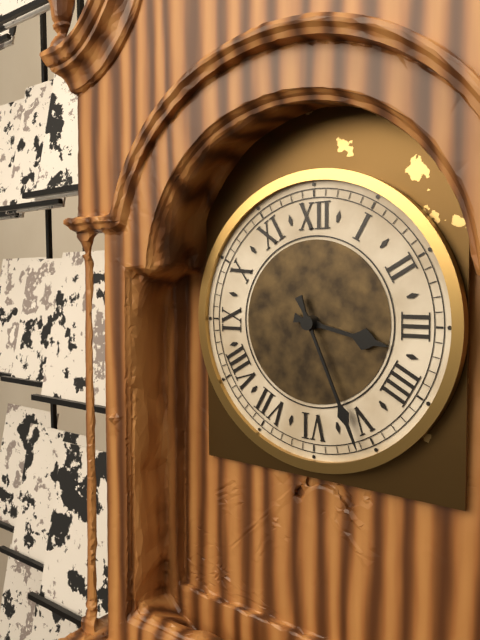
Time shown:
{"hour": 3, "minute": 26}
